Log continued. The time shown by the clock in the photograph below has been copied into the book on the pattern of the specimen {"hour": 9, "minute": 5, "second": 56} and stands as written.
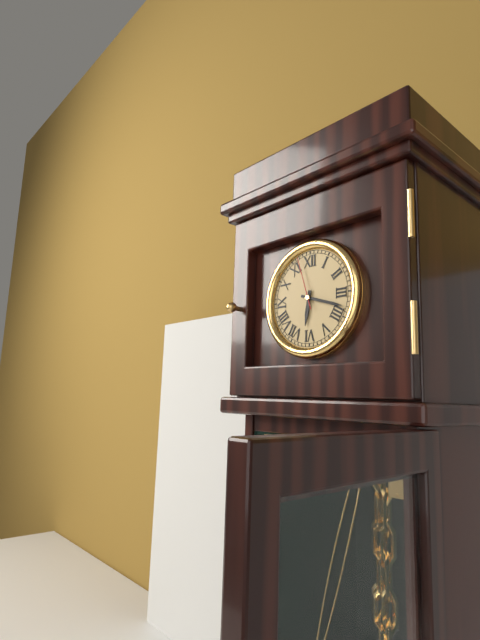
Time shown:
{"hour": 6, "minute": 18, "second": 57}
